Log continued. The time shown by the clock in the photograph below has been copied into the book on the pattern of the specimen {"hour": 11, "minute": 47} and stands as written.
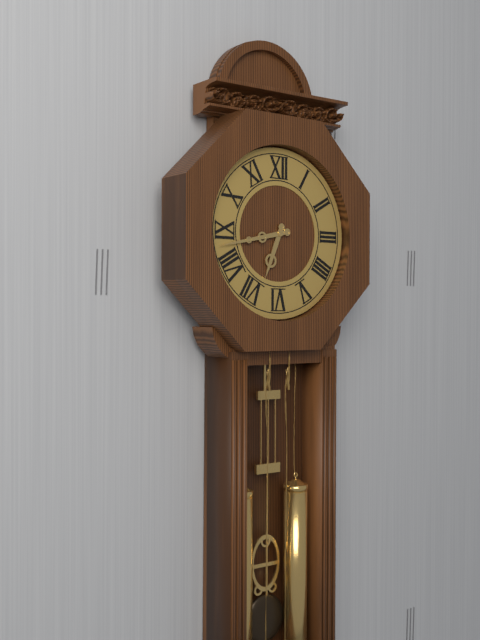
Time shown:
{"hour": 6, "minute": 43}
